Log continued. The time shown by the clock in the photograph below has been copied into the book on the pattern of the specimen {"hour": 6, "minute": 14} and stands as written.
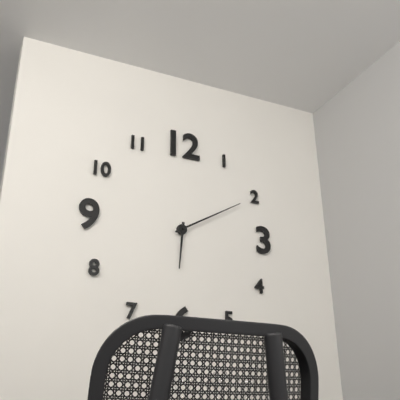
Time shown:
{"hour": 6, "minute": 10}
